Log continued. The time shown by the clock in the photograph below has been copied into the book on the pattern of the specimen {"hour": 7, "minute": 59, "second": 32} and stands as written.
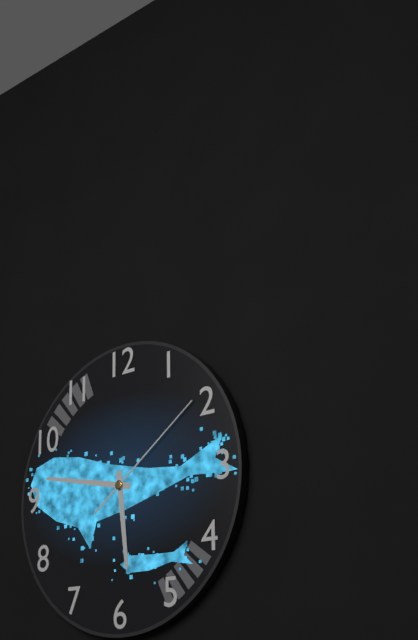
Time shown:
{"hour": 5, "minute": 47, "second": 9}
